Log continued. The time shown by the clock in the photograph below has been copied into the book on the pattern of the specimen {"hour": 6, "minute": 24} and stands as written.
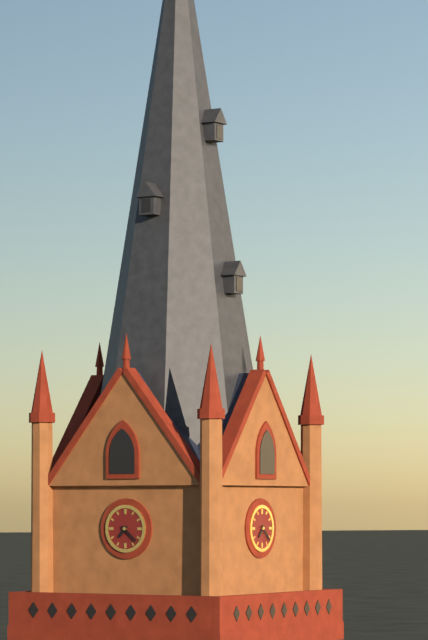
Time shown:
{"hour": 7, "minute": 22}
